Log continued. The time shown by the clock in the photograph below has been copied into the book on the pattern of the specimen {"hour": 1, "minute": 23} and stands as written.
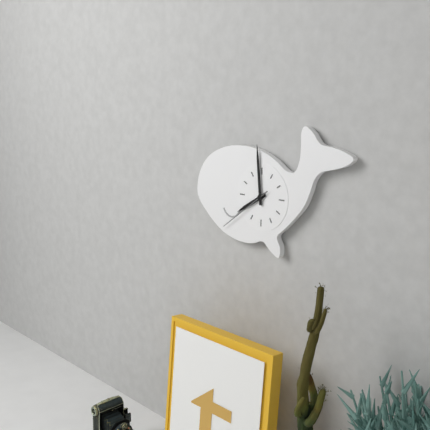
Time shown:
{"hour": 7, "minute": 59}
